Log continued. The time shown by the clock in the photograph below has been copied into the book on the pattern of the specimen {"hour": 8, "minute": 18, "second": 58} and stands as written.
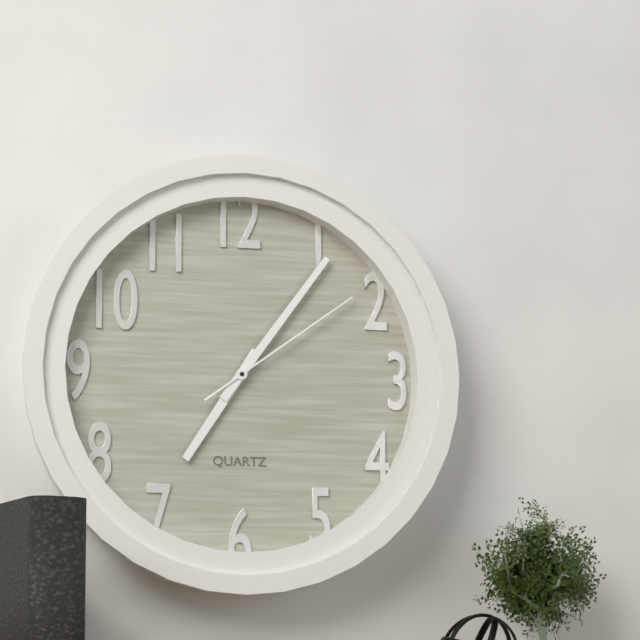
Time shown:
{"hour": 7, "minute": 6, "second": 9}
